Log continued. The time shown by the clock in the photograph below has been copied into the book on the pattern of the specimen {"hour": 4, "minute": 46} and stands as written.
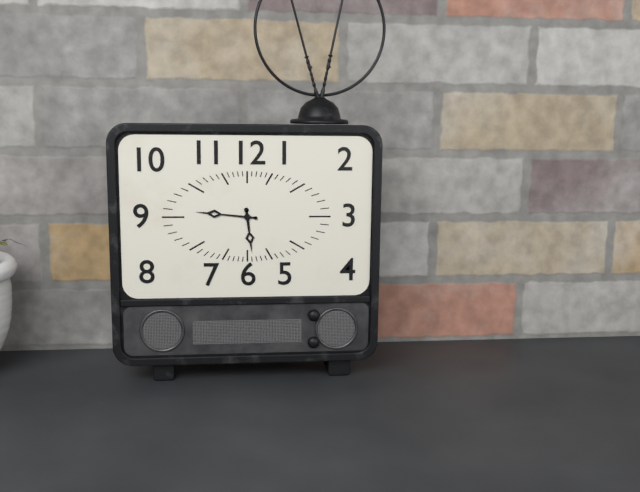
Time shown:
{"hour": 5, "minute": 46}
